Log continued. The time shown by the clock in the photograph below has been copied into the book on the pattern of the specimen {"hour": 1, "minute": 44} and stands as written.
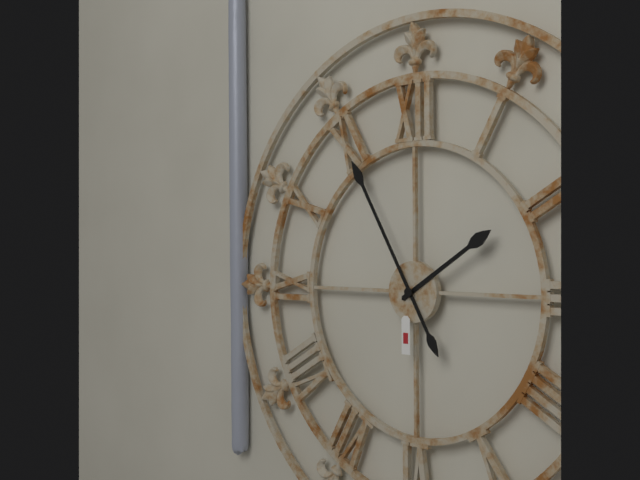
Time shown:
{"hour": 1, "minute": 55}
